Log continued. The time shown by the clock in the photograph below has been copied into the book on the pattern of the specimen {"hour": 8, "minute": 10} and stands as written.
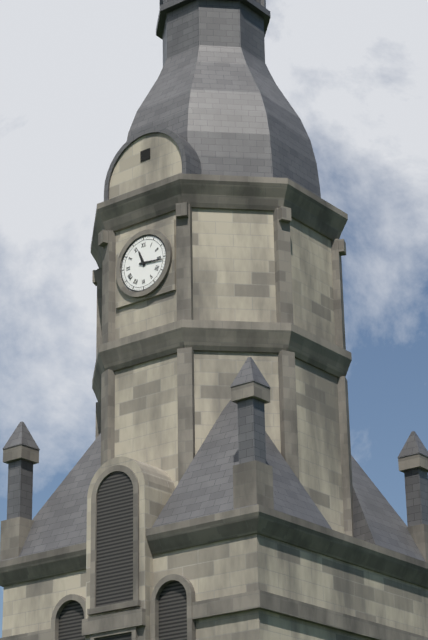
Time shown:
{"hour": 11, "minute": 16}
